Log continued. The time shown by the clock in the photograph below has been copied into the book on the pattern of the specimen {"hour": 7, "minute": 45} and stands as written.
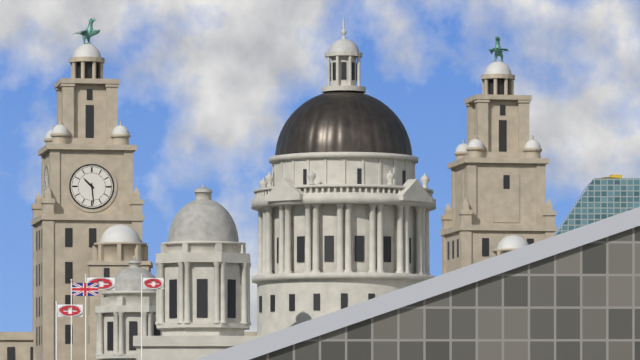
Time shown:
{"hour": 10, "minute": 29}
